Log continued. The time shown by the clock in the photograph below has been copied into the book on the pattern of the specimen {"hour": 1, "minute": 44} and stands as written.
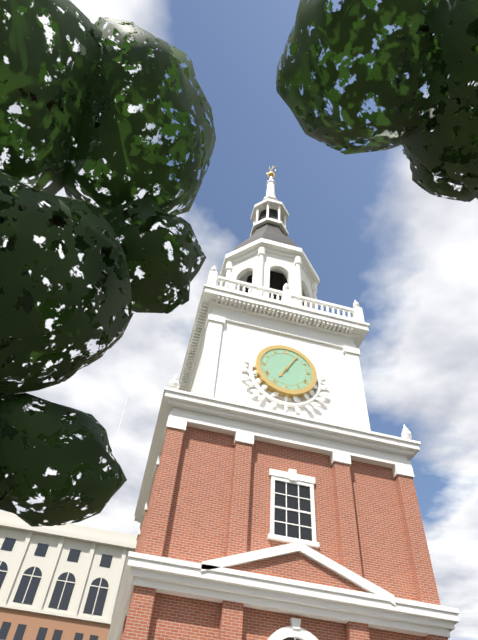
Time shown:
{"hour": 7, "minute": 5}
